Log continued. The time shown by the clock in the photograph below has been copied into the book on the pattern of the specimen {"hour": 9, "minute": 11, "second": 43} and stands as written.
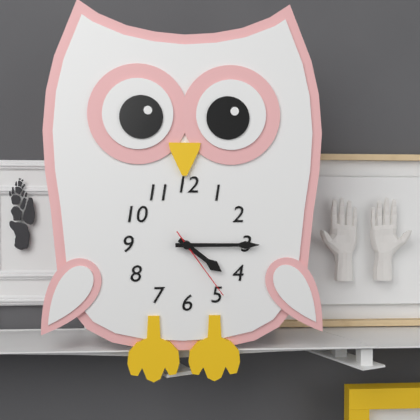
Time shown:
{"hour": 4, "minute": 15, "second": 24}
